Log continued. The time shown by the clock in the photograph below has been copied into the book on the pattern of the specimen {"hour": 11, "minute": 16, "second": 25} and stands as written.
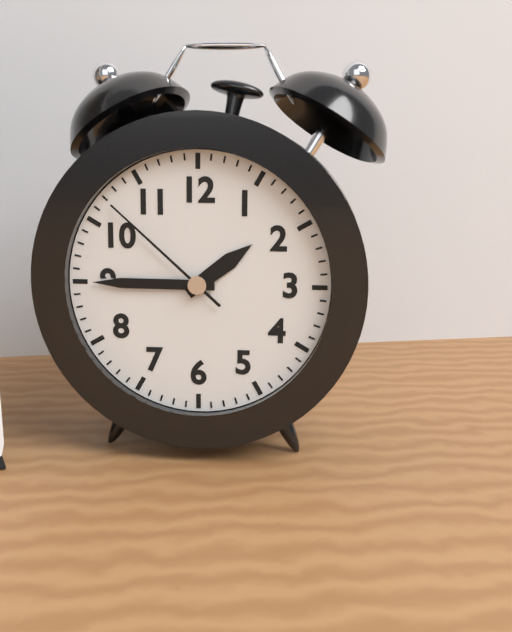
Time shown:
{"hour": 1, "minute": 45, "second": 52}
